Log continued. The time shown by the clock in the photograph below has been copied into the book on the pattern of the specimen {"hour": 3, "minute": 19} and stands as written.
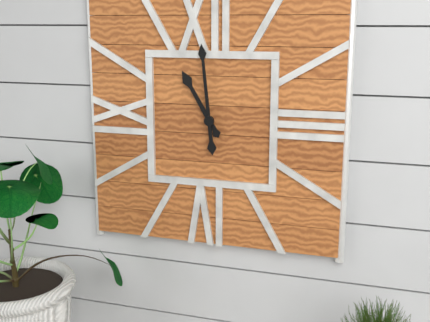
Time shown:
{"hour": 10, "minute": 59}
